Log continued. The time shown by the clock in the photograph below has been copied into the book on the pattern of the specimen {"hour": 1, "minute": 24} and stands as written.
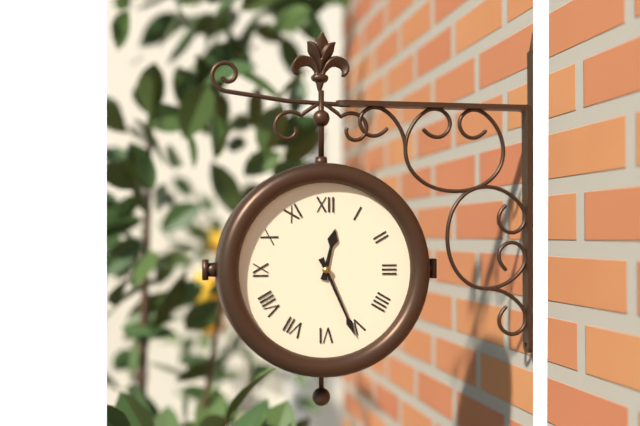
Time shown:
{"hour": 12, "minute": 26}
